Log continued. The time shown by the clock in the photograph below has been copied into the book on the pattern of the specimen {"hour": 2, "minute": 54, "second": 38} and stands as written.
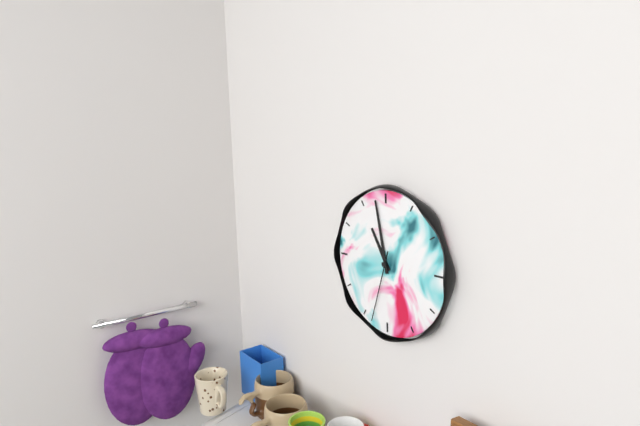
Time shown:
{"hour": 10, "minute": 58, "second": 33}
